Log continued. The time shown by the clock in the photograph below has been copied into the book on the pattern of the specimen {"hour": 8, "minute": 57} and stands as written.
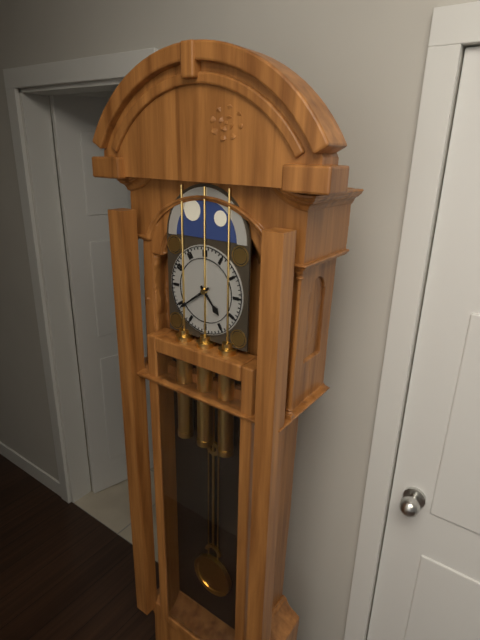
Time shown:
{"hour": 4, "minute": 39}
